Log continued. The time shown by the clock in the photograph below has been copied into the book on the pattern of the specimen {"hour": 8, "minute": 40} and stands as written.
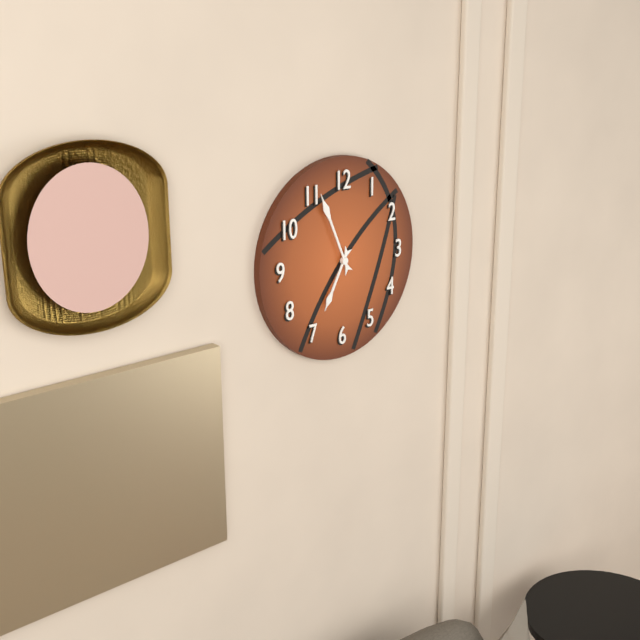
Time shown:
{"hour": 6, "minute": 56}
